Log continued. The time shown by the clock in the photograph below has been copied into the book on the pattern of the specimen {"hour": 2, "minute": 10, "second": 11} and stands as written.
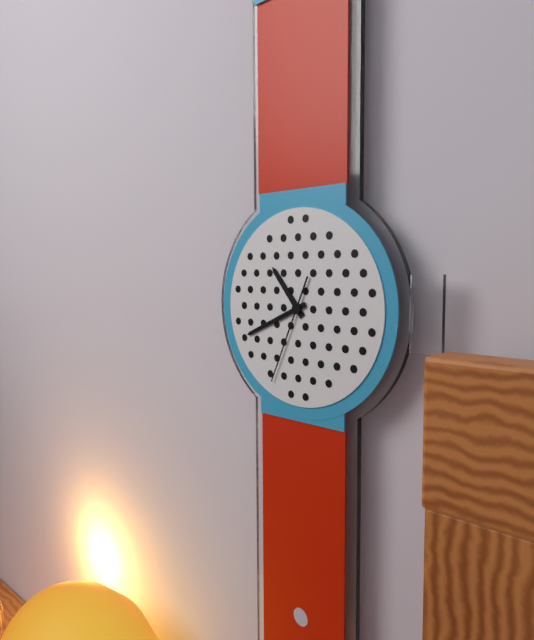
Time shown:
{"hour": 10, "minute": 41, "second": 34}
